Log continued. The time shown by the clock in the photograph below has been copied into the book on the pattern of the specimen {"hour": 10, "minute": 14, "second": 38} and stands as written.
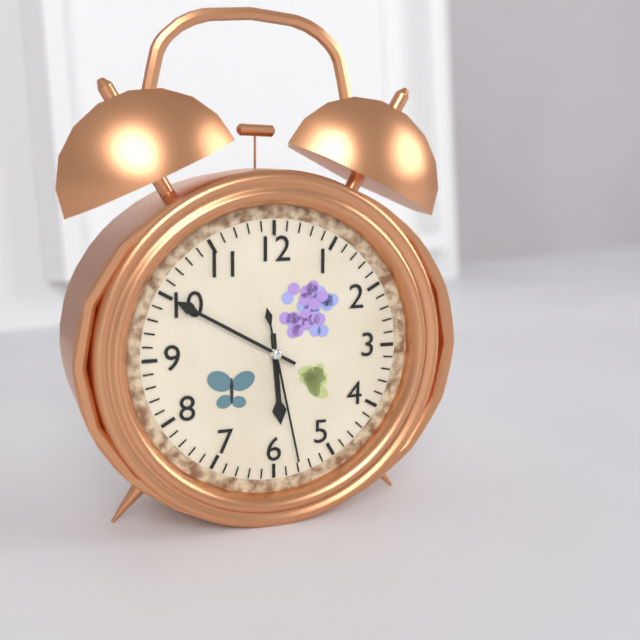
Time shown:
{"hour": 5, "minute": 50, "second": 28}
